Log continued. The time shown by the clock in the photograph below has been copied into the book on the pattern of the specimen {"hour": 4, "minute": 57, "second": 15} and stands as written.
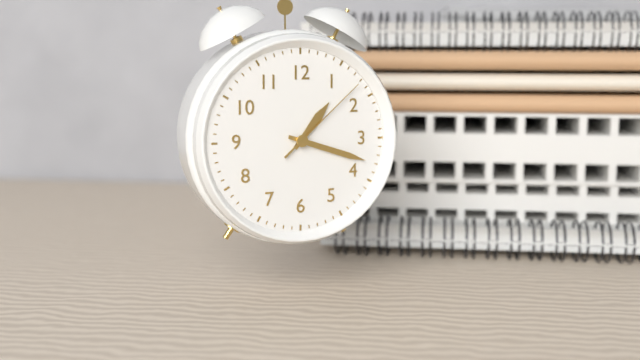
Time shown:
{"hour": 1, "minute": 18, "second": 8}
